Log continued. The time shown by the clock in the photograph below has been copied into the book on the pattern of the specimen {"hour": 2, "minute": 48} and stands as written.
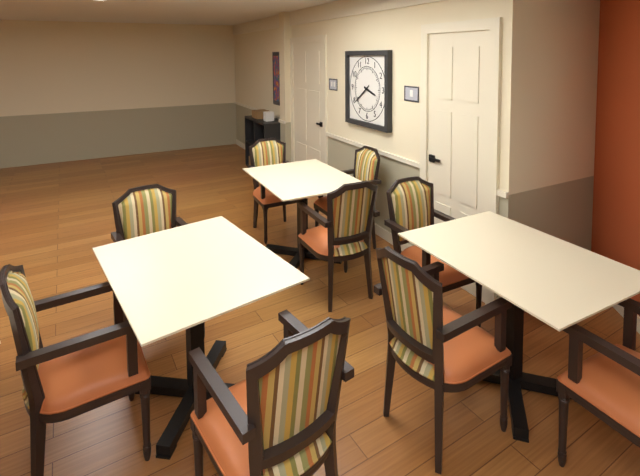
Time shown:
{"hour": 3, "minute": 39}
